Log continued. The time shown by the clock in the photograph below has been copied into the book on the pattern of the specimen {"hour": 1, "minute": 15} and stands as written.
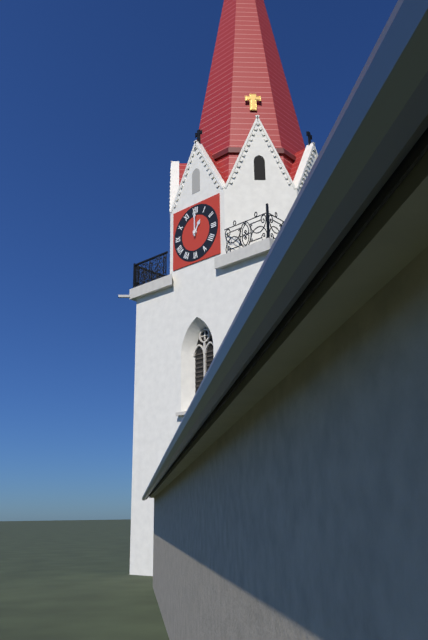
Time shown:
{"hour": 1, "minute": 0}
